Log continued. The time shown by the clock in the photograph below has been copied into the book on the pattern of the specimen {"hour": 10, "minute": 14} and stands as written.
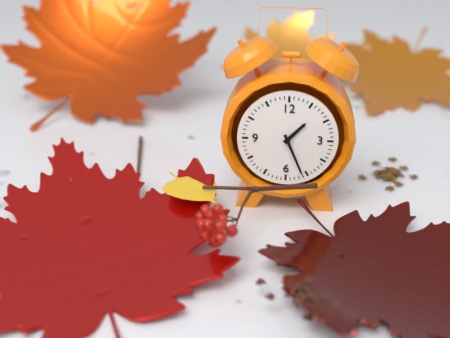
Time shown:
{"hour": 1, "minute": 26}
